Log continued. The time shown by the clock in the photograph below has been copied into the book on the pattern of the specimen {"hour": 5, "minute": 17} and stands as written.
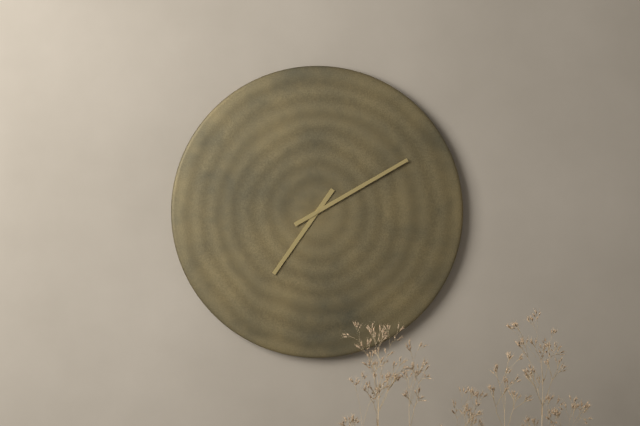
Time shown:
{"hour": 7, "minute": 10}
